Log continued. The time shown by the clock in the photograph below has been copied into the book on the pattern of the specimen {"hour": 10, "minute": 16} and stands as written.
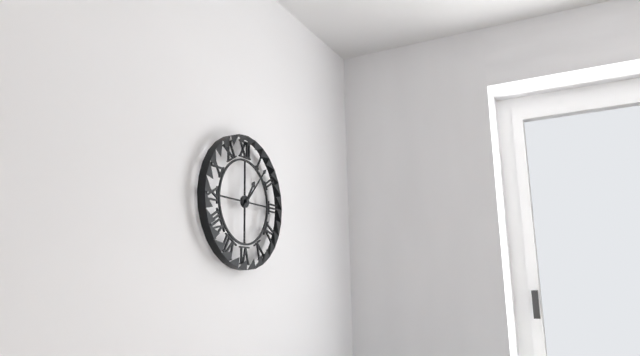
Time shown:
{"hour": 1, "minute": 7}
